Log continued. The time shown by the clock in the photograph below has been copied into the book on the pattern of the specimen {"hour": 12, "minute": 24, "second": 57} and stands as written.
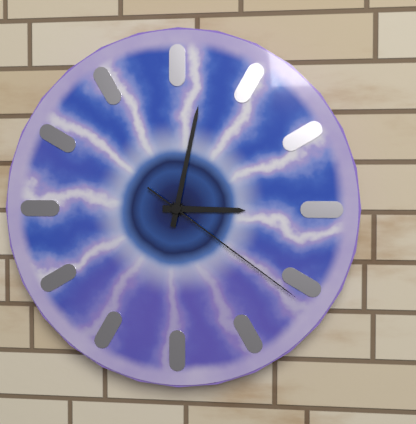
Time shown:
{"hour": 3, "minute": 2, "second": 21}
